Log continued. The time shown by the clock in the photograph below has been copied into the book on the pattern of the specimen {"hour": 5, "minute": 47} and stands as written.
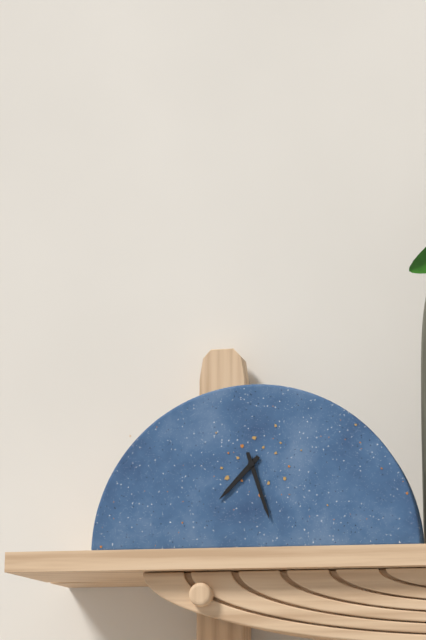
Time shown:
{"hour": 7, "minute": 27}
